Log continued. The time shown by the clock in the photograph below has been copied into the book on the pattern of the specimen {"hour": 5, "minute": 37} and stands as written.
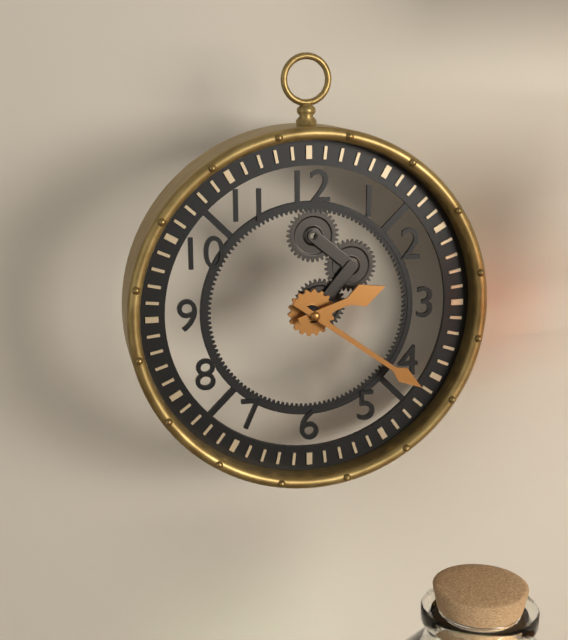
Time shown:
{"hour": 2, "minute": 21}
